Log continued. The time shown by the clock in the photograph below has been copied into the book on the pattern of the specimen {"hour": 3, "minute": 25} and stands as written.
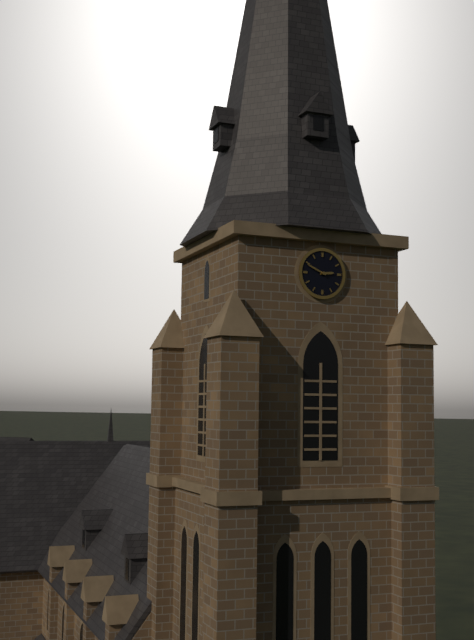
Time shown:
{"hour": 2, "minute": 49}
